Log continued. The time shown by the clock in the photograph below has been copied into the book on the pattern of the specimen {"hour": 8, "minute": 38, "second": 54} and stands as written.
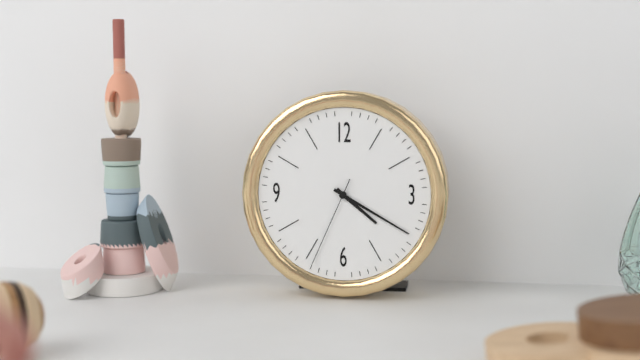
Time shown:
{"hour": 4, "minute": 20, "second": 34}
